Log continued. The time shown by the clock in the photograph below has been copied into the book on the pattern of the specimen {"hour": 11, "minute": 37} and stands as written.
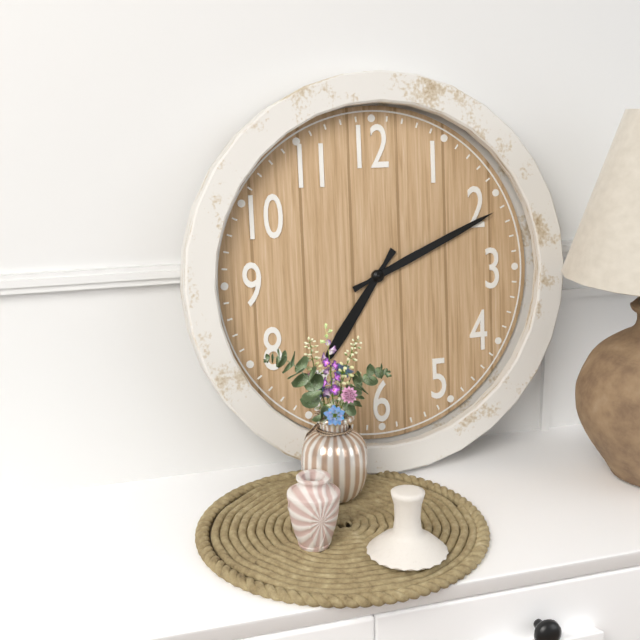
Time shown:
{"hour": 7, "minute": 11}
